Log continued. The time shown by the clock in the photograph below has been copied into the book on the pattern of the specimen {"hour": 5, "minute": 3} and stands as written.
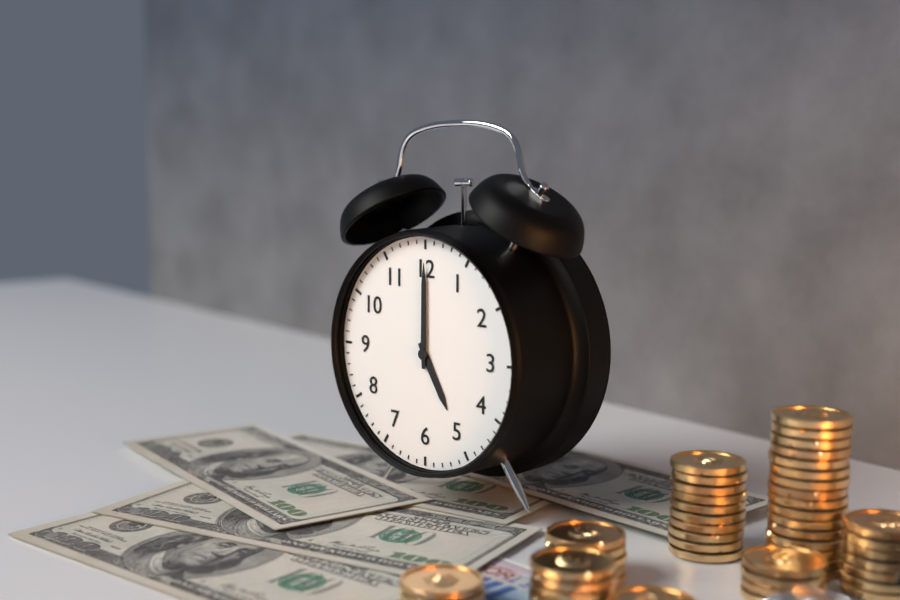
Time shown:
{"hour": 5, "minute": 0}
